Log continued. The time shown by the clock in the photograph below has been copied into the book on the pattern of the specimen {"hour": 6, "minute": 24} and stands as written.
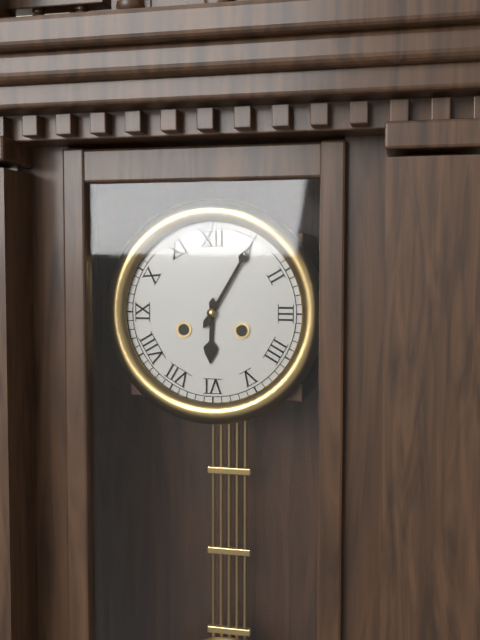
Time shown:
{"hour": 6, "minute": 5}
